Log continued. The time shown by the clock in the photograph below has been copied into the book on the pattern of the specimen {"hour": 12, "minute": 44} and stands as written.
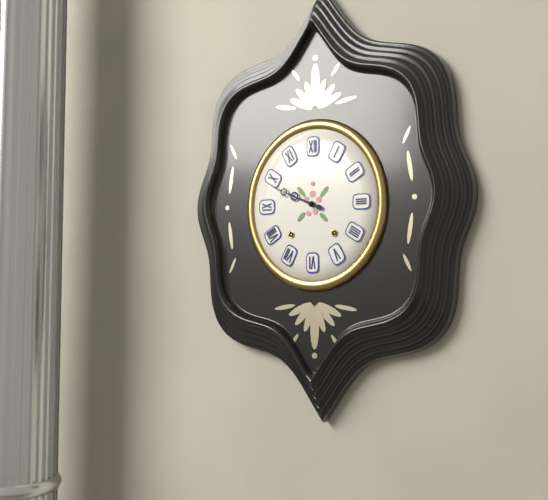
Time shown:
{"hour": 9, "minute": 49}
